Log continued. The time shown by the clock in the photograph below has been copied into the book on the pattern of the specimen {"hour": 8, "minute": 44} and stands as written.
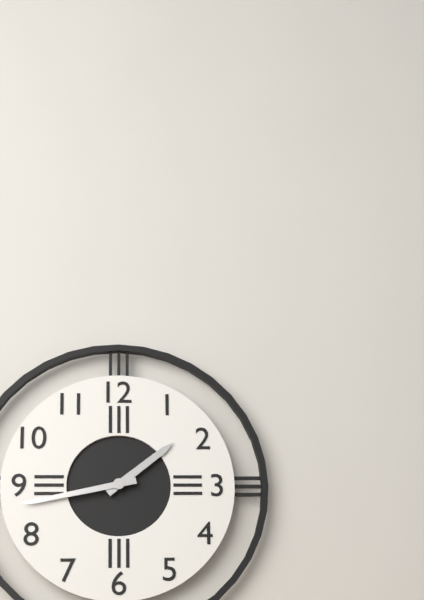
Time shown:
{"hour": 1, "minute": 43}
